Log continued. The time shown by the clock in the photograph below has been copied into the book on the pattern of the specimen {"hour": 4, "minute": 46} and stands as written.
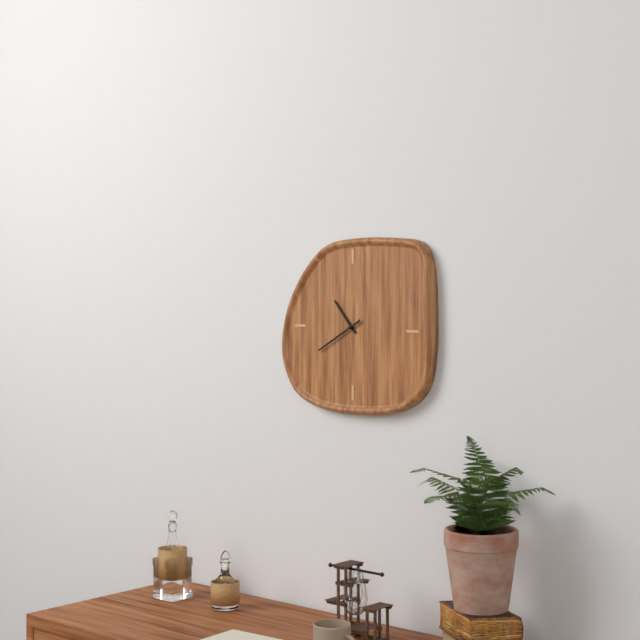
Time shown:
{"hour": 10, "minute": 40}
